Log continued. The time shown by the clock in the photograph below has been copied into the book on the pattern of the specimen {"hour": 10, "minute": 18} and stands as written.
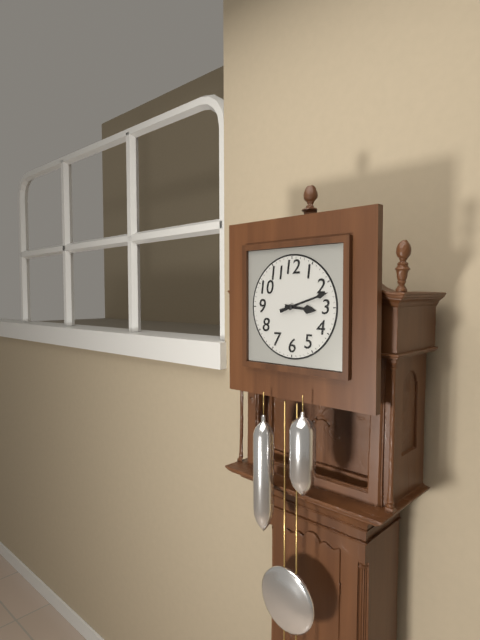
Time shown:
{"hour": 3, "minute": 12}
